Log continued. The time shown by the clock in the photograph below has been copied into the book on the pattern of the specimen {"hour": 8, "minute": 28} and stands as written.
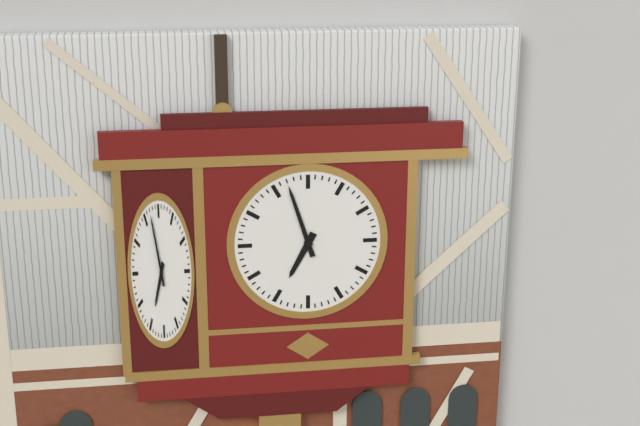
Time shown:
{"hour": 6, "minute": 57}
